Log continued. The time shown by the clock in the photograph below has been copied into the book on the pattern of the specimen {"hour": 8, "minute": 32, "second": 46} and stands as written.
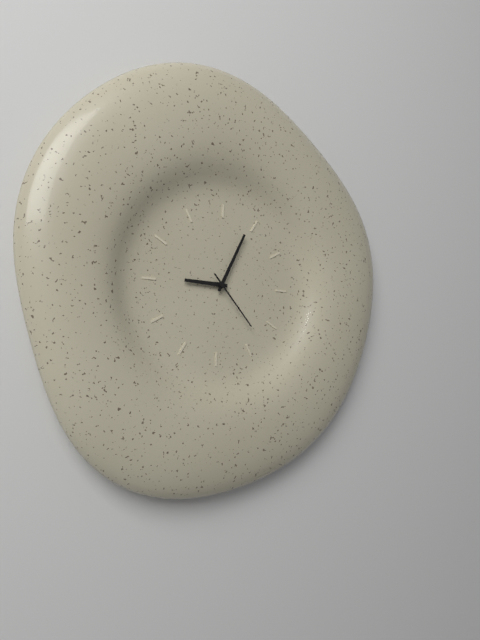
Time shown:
{"hour": 9, "minute": 4, "second": 23}
